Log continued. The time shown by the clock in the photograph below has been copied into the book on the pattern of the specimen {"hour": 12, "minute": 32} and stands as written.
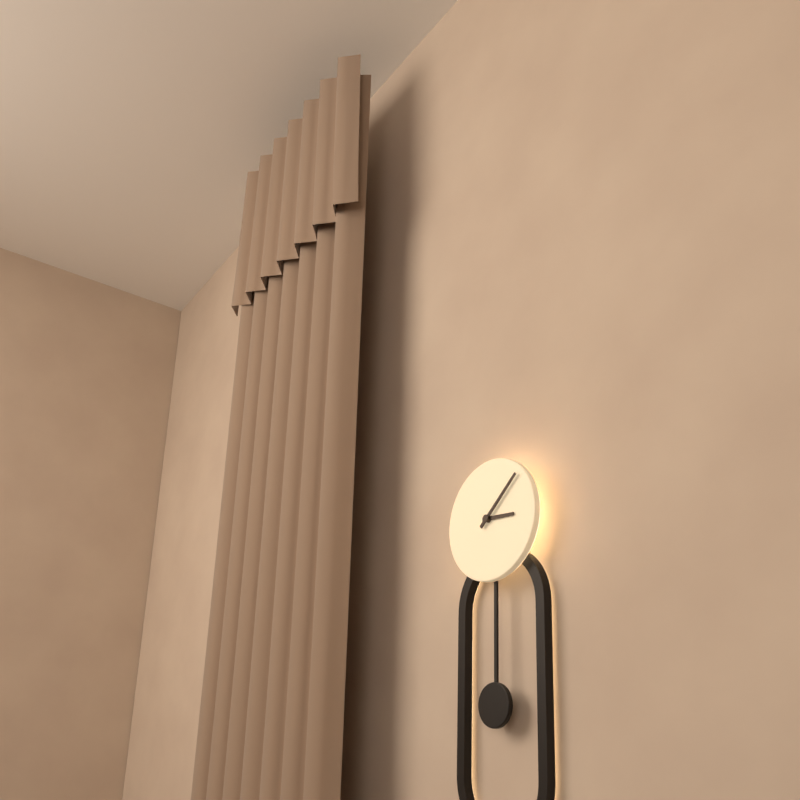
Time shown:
{"hour": 3, "minute": 8}
